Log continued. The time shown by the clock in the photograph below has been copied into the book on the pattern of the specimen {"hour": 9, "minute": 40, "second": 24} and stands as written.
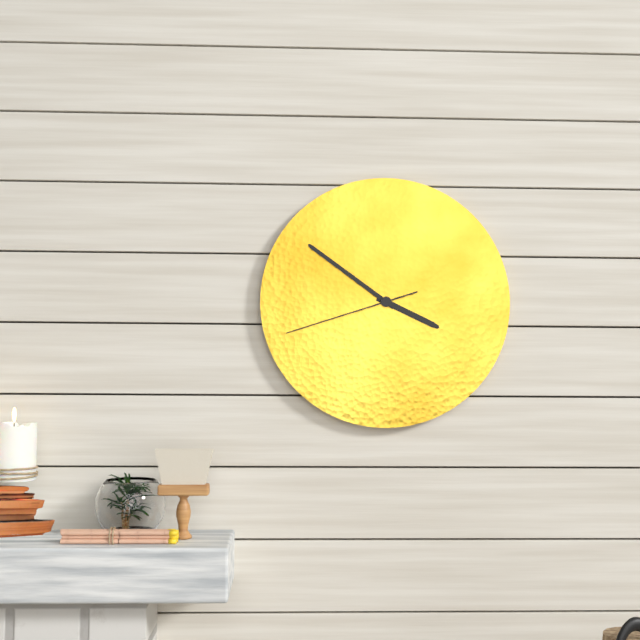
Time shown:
{"hour": 3, "minute": 51, "second": 42}
